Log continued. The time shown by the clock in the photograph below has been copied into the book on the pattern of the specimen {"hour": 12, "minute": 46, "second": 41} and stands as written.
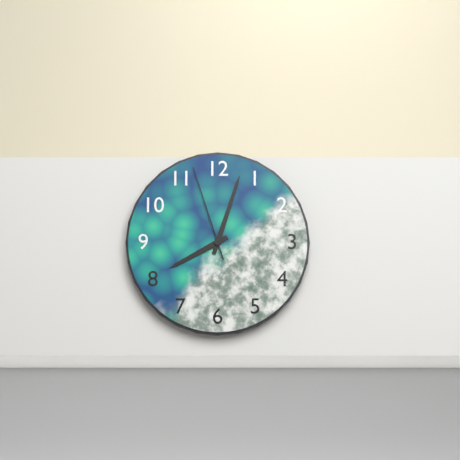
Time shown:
{"hour": 8, "minute": 3, "second": 57}
